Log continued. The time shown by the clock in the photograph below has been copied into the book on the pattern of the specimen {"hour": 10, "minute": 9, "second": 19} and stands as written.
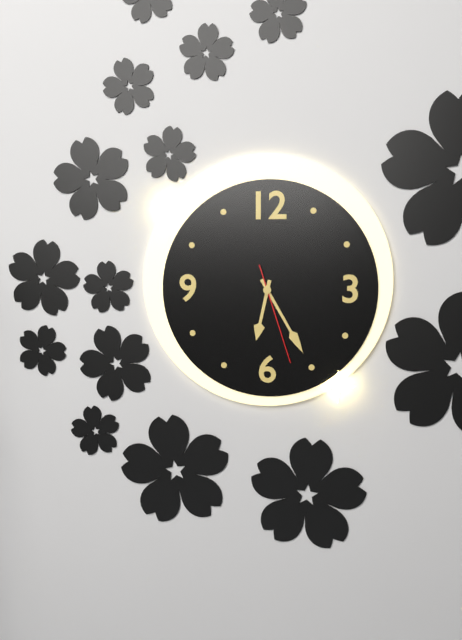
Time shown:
{"hour": 6, "minute": 25, "second": 27}
